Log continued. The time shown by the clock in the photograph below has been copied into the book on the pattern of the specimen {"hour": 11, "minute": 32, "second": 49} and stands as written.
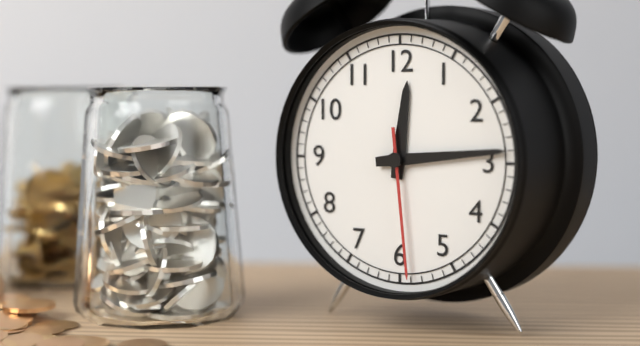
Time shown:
{"hour": 12, "minute": 14, "second": 29}
